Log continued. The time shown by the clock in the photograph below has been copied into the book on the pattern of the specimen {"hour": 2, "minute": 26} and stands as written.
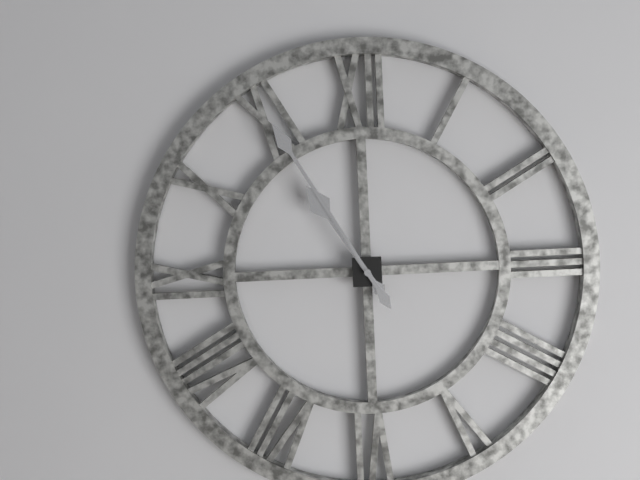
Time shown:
{"hour": 10, "minute": 55}
